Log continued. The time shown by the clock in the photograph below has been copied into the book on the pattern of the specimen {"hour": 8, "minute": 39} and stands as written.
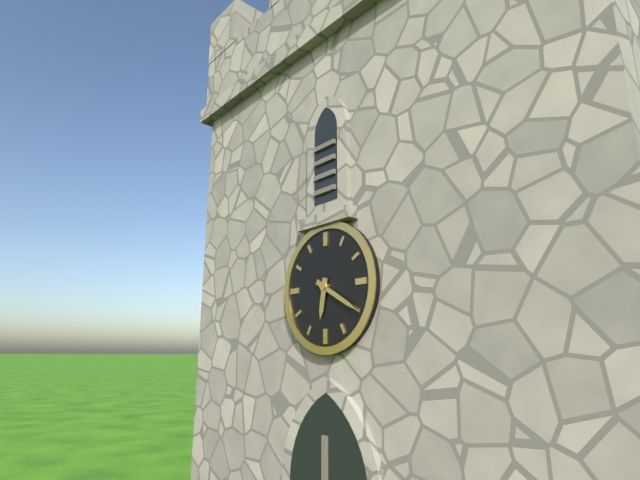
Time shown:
{"hour": 6, "minute": 20}
